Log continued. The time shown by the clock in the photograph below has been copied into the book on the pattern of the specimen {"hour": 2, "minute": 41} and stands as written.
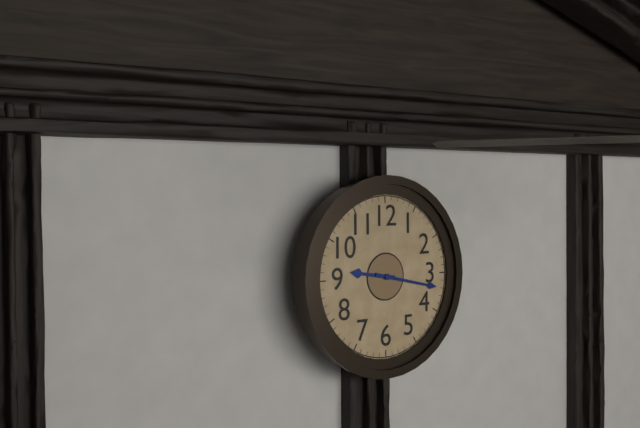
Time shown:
{"hour": 9, "minute": 17}
